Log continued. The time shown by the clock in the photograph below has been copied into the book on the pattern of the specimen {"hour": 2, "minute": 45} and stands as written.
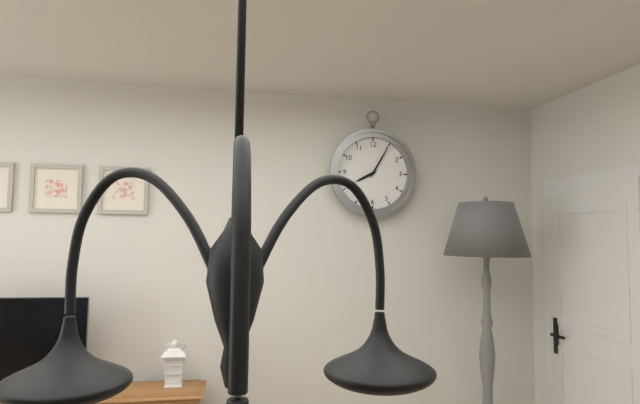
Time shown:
{"hour": 8, "minute": 5}
